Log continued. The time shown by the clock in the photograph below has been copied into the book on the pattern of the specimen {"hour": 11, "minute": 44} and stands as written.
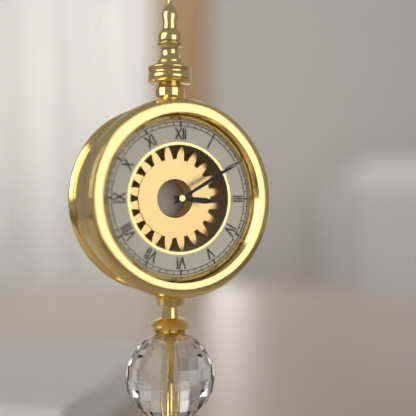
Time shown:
{"hour": 3, "minute": 10}
